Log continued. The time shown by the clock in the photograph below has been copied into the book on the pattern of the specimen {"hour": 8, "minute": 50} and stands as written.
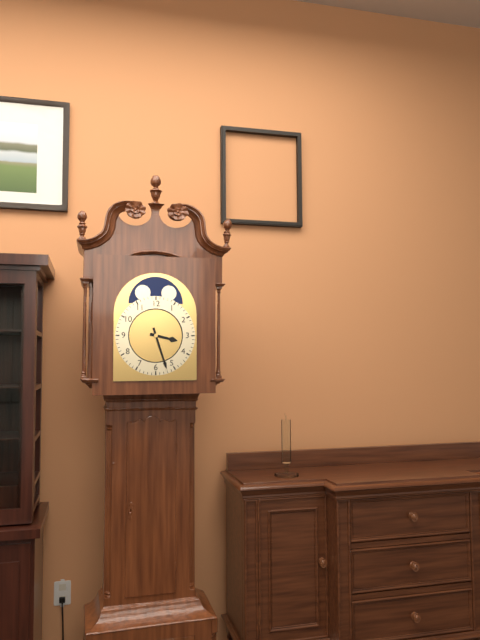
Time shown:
{"hour": 3, "minute": 27}
